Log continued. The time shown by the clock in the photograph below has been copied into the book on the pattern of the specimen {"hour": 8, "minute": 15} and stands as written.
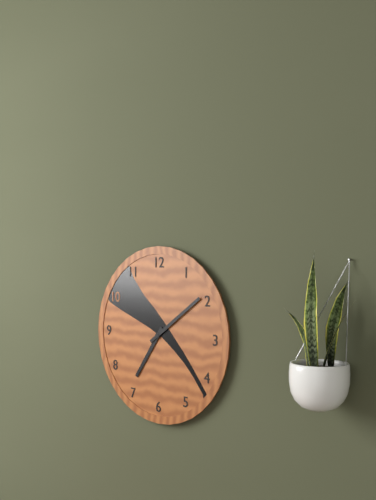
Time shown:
{"hour": 7, "minute": 9}
